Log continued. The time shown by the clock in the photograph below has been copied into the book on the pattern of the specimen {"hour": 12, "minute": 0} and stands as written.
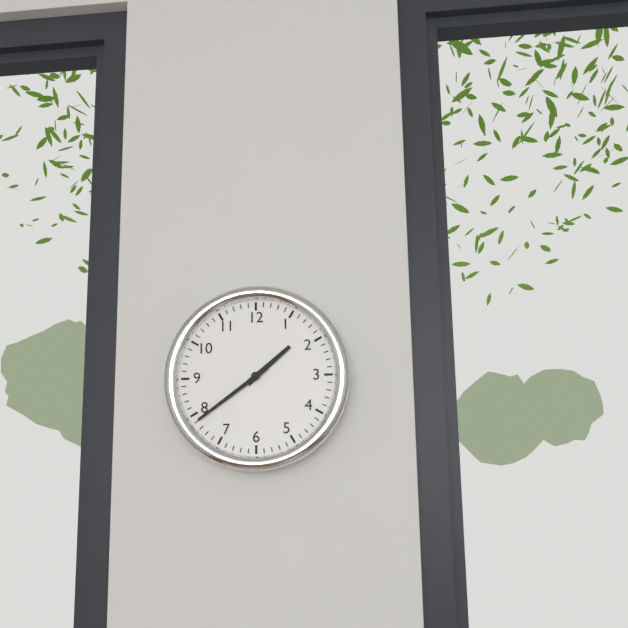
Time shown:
{"hour": 1, "minute": 39}
